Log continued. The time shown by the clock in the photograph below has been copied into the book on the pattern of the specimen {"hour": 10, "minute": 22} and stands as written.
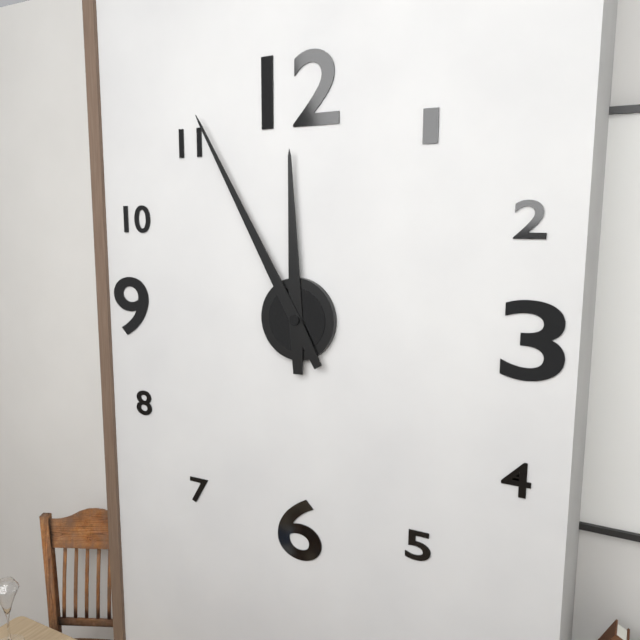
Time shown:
{"hour": 11, "minute": 55}
